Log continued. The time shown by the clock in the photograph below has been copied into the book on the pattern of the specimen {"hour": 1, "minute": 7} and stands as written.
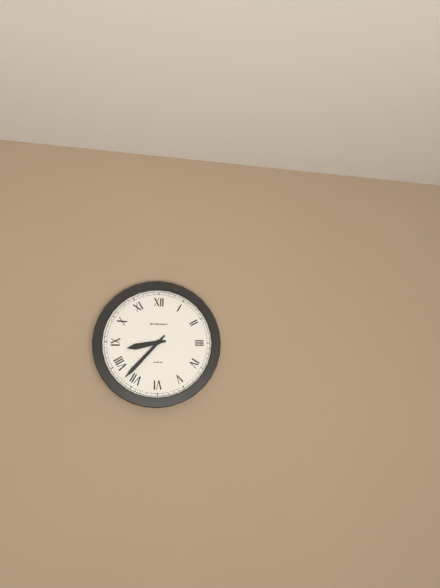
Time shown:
{"hour": 8, "minute": 37}
